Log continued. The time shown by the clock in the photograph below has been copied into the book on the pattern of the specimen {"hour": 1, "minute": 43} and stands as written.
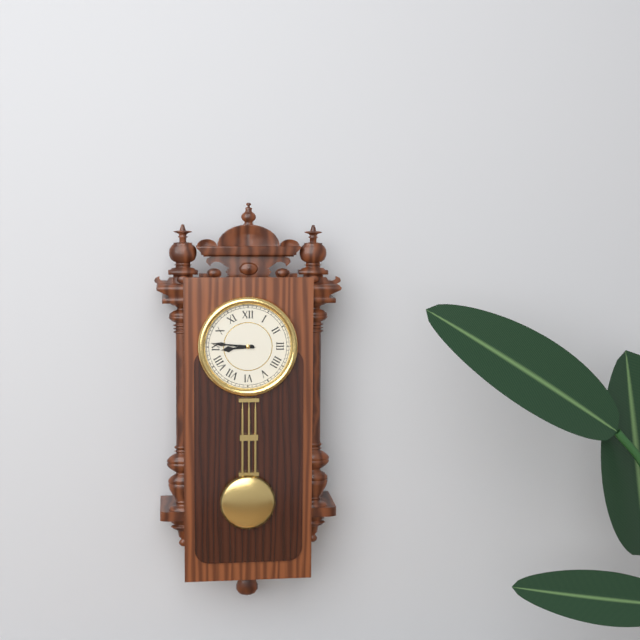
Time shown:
{"hour": 8, "minute": 46}
